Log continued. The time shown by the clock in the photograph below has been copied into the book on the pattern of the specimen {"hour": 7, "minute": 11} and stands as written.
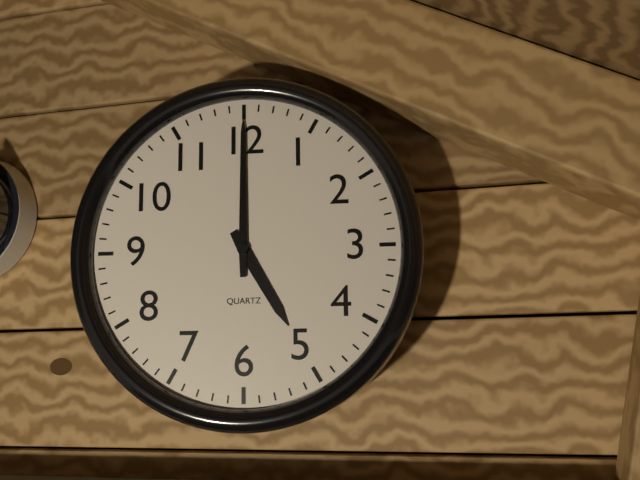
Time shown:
{"hour": 5, "minute": 0}
